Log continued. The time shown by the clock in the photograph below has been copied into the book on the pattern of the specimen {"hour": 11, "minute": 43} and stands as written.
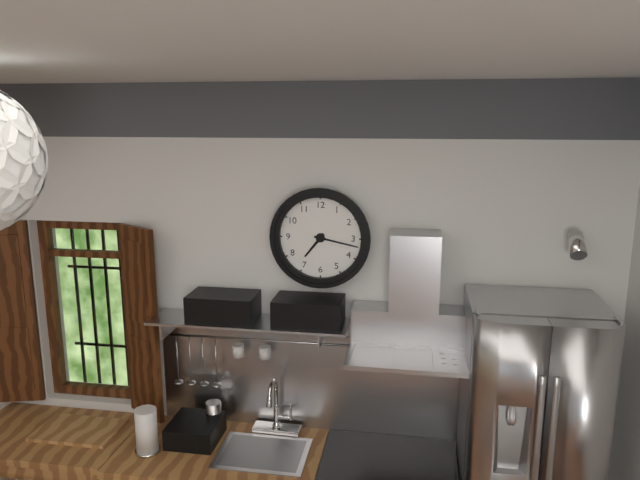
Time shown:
{"hour": 7, "minute": 17}
